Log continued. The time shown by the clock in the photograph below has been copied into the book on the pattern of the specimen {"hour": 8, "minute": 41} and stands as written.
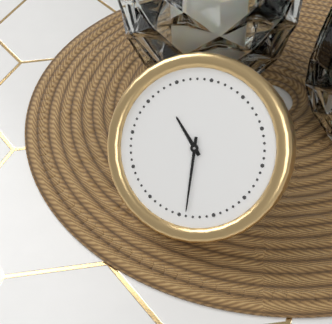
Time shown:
{"hour": 10, "minute": 29}
